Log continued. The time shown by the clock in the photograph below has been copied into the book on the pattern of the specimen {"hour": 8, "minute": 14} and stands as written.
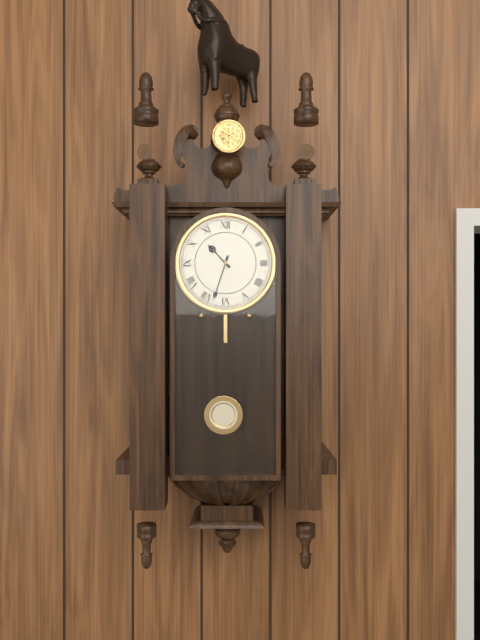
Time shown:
{"hour": 10, "minute": 33}
